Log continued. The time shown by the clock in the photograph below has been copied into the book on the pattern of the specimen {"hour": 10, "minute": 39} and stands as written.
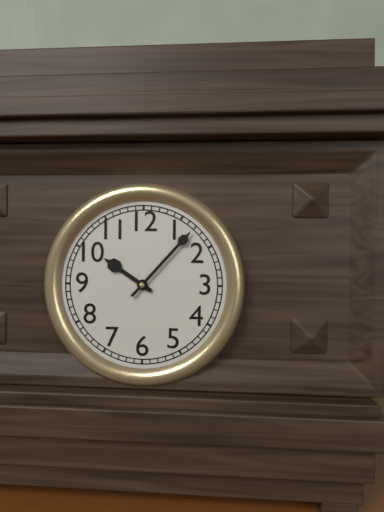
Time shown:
{"hour": 10, "minute": 7}
